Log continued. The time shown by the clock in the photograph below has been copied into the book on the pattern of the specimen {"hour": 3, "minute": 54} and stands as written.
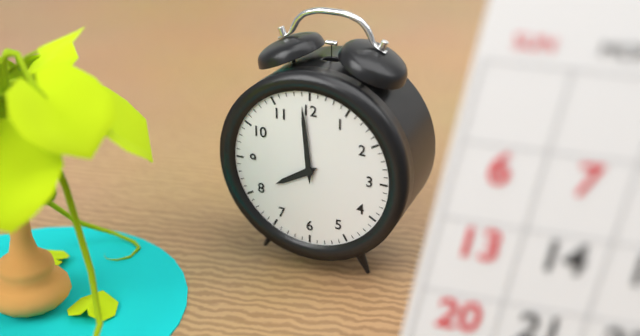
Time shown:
{"hour": 7, "minute": 59}
